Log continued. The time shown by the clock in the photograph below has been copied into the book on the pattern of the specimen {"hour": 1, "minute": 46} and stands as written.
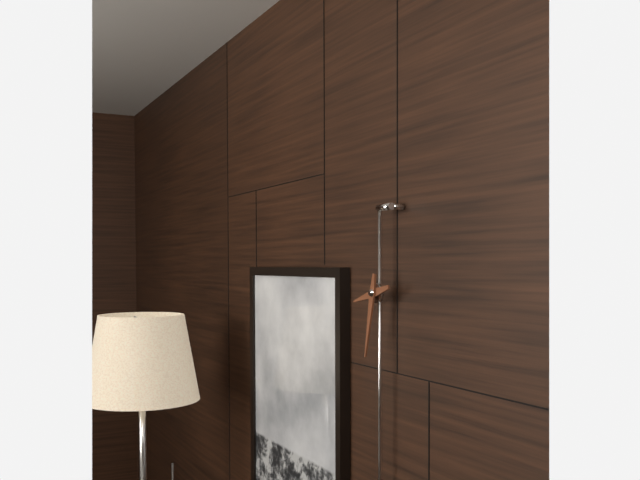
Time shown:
{"hour": 8, "minute": 32}
